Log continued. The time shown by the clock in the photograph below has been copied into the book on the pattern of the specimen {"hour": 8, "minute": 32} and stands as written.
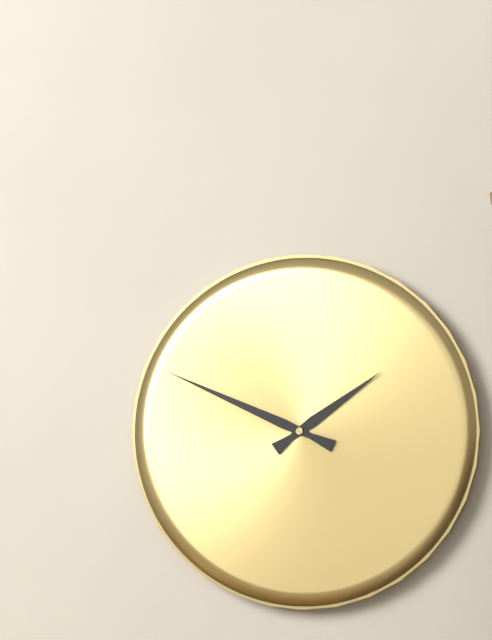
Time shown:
{"hour": 1, "minute": 49}
